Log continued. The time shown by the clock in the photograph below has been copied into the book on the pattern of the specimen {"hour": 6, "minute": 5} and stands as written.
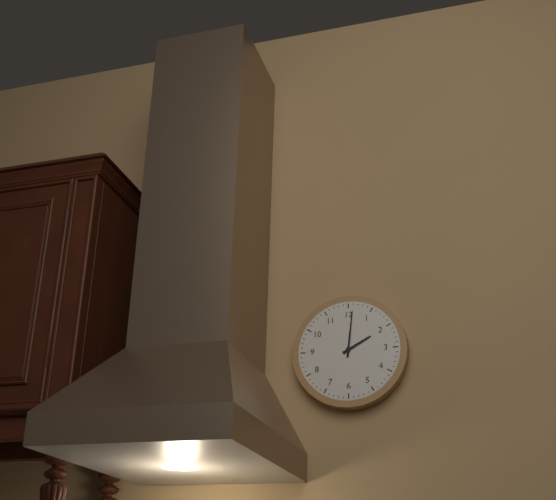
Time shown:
{"hour": 2, "minute": 1}
